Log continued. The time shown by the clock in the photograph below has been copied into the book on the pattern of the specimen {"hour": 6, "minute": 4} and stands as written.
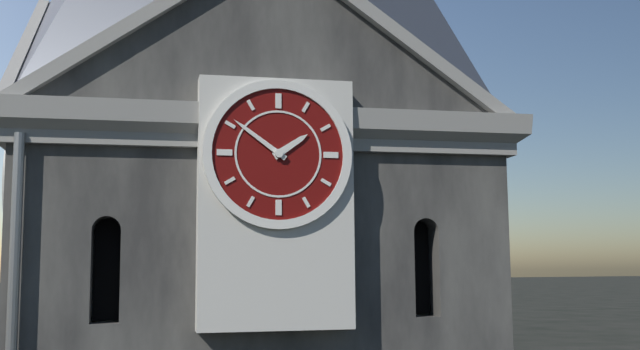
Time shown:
{"hour": 1, "minute": 51}
